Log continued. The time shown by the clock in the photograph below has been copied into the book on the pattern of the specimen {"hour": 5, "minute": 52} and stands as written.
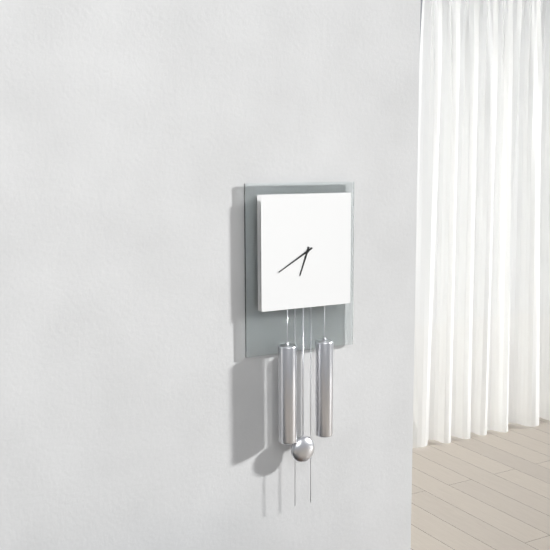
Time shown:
{"hour": 6, "minute": 40}
